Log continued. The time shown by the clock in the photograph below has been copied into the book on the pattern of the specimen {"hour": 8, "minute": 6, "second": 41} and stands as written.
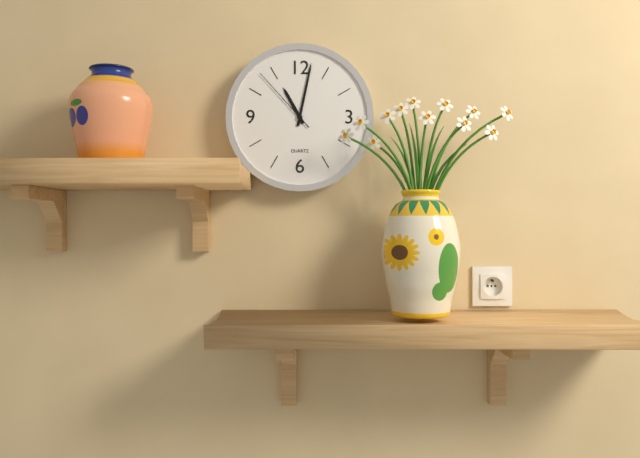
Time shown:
{"hour": 11, "minute": 2, "second": 53}
